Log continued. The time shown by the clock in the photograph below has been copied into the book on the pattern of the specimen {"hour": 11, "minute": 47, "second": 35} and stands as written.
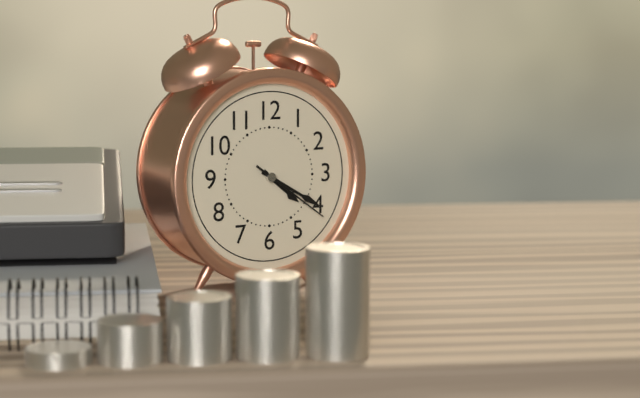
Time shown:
{"hour": 4, "minute": 20, "second": 21}
